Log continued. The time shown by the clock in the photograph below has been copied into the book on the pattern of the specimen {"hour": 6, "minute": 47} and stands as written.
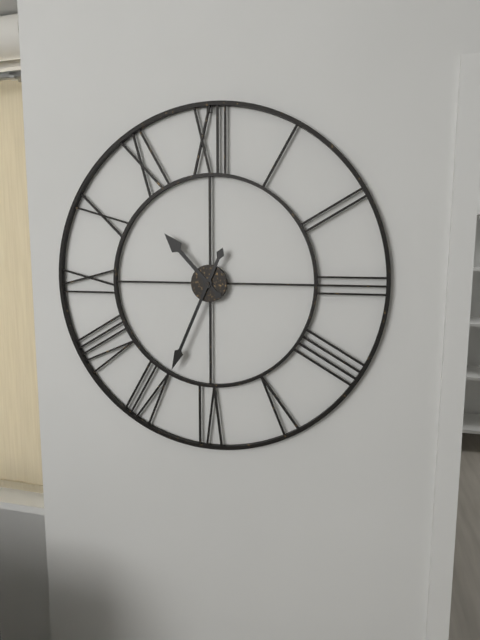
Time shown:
{"hour": 10, "minute": 34}
